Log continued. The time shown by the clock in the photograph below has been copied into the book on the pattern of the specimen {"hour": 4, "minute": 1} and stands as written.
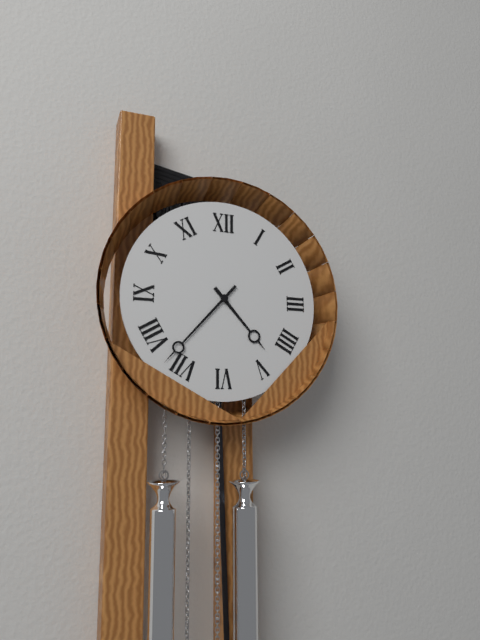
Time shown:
{"hour": 4, "minute": 37}
